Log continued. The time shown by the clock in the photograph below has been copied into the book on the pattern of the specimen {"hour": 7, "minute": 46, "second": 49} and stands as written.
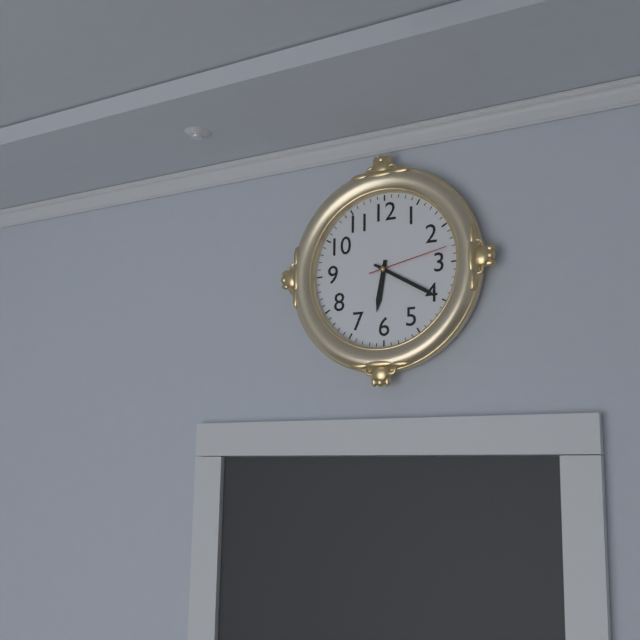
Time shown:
{"hour": 6, "minute": 20, "second": 13}
